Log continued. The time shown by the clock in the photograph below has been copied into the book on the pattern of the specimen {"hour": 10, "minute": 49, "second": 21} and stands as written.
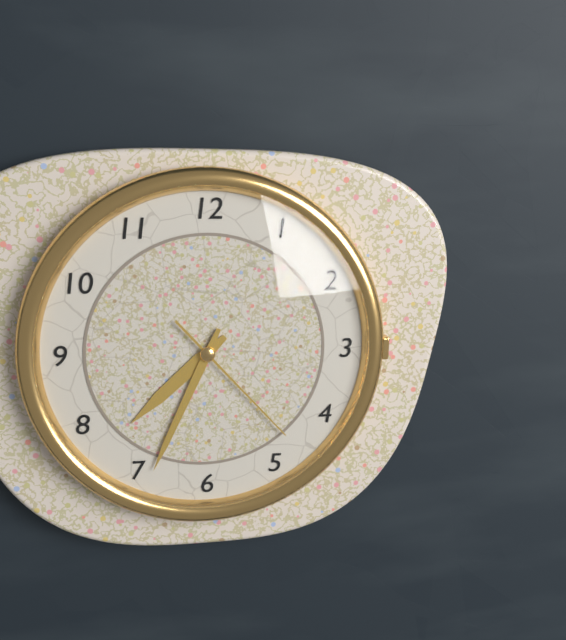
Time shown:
{"hour": 7, "minute": 34, "second": 23}
